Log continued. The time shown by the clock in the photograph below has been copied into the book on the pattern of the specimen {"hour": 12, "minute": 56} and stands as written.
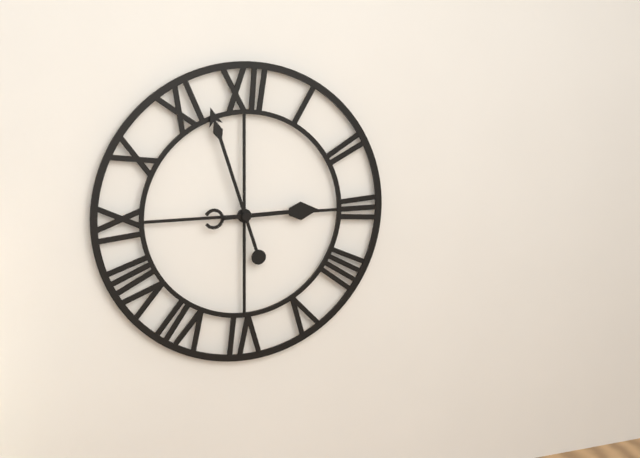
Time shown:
{"hour": 2, "minute": 57}
